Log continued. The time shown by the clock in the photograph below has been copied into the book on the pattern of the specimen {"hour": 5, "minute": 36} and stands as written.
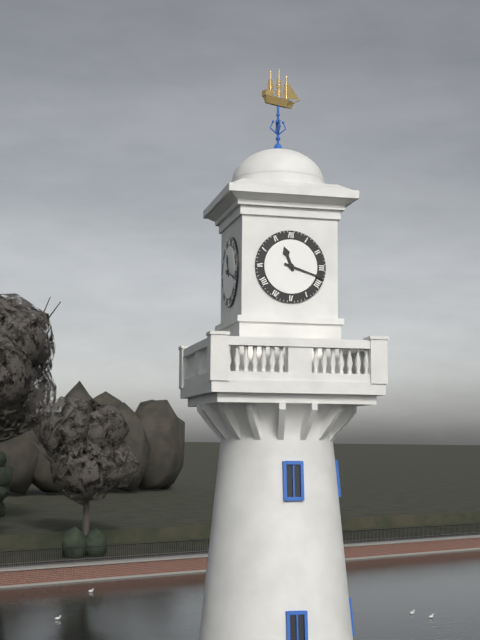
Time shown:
{"hour": 11, "minute": 18}
